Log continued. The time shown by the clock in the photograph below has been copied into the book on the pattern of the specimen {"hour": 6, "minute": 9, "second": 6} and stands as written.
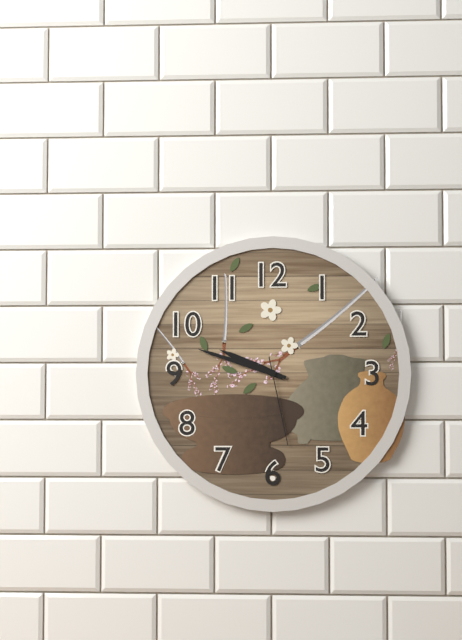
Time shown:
{"hour": 9, "minute": 48, "second": 28}
